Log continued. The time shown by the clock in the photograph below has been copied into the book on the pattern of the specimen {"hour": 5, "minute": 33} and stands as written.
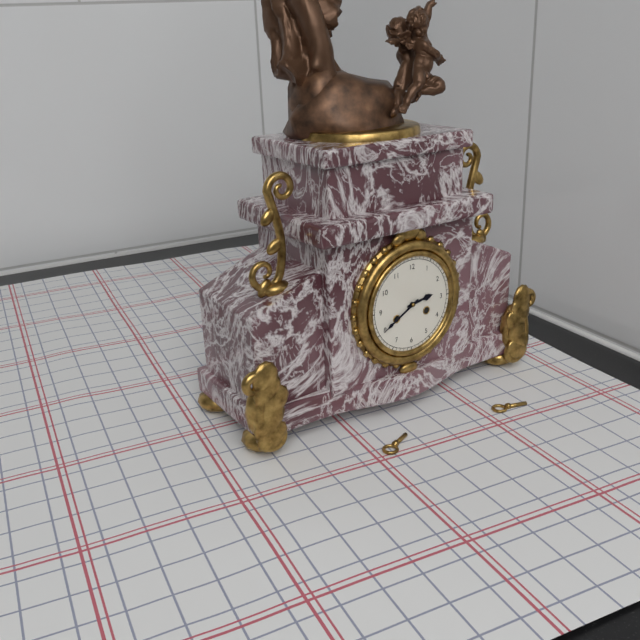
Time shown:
{"hour": 2, "minute": 40}
